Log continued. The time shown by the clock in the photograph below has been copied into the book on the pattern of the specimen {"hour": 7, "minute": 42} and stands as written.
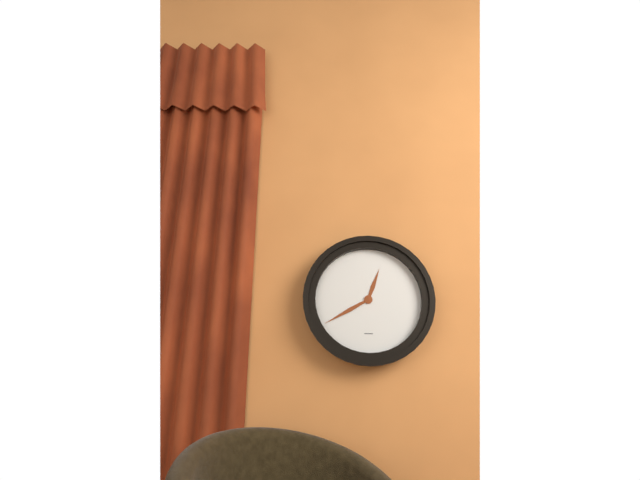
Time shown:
{"hour": 12, "minute": 40}
